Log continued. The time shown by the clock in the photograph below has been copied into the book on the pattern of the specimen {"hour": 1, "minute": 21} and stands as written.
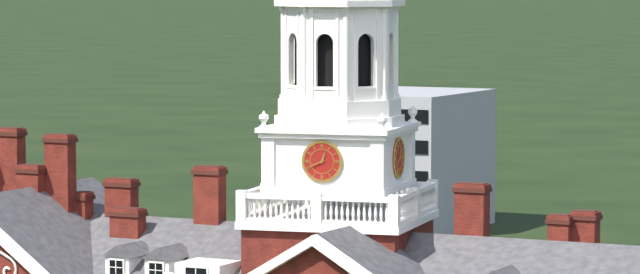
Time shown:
{"hour": 12, "minute": 41}
